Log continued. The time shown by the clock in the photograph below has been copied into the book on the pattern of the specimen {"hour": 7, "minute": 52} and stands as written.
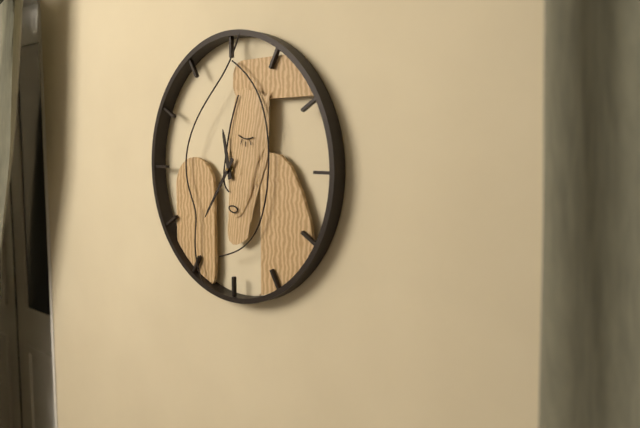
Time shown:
{"hour": 11, "minute": 36}
